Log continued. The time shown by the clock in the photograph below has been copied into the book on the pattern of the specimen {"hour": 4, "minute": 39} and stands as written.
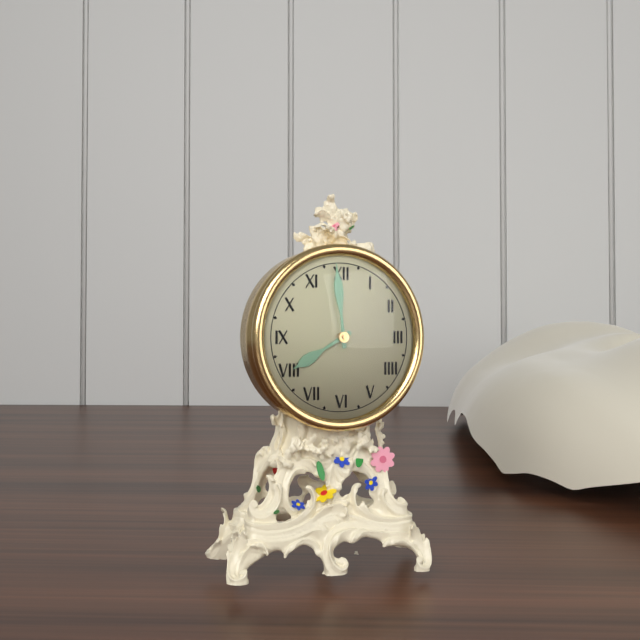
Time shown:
{"hour": 7, "minute": 59}
